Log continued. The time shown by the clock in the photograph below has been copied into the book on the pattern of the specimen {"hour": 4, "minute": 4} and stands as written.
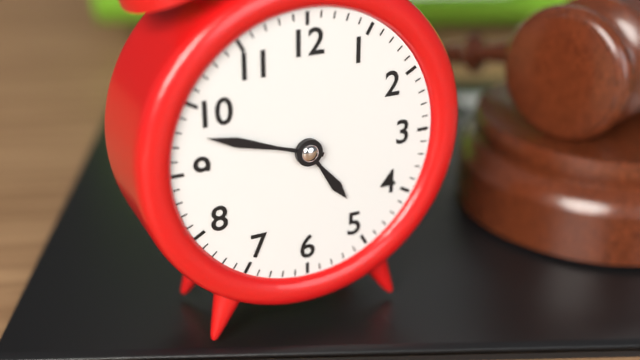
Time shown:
{"hour": 4, "minute": 48}
